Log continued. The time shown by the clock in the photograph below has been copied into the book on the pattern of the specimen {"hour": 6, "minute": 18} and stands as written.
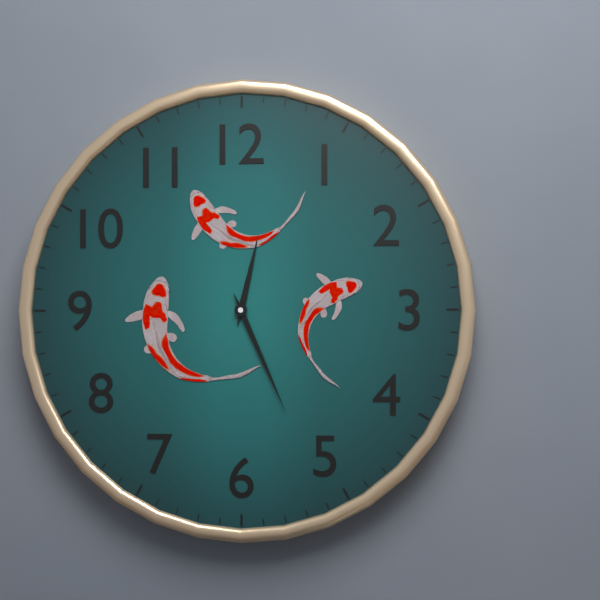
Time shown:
{"hour": 12, "minute": 26}
